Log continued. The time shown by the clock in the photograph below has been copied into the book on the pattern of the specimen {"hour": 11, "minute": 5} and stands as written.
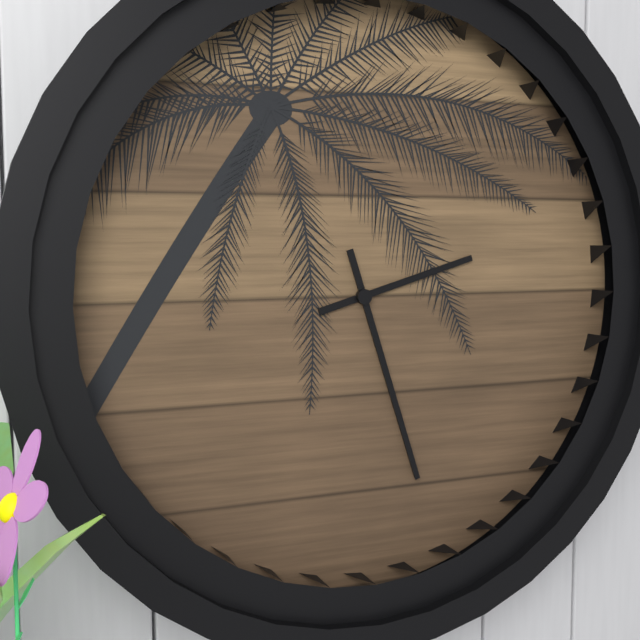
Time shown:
{"hour": 2, "minute": 27}
